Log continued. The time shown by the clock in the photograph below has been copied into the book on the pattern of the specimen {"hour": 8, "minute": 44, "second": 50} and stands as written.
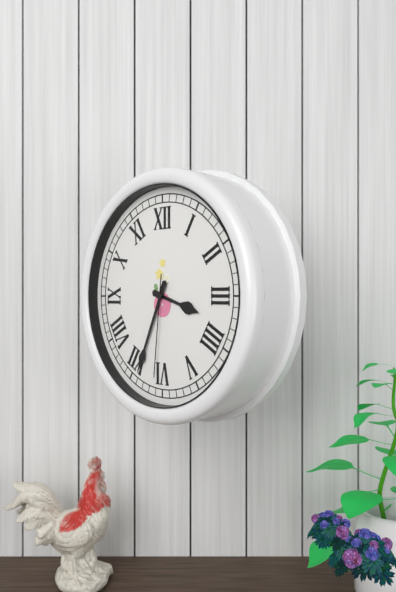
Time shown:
{"hour": 3, "minute": 34, "second": 31}
